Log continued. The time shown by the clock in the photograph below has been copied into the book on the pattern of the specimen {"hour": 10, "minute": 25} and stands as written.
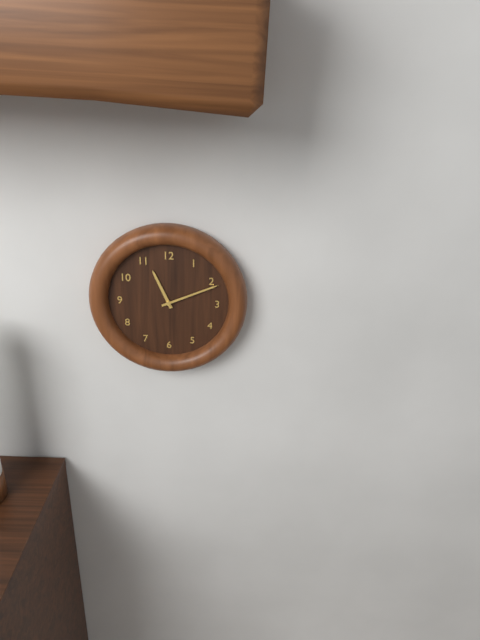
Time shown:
{"hour": 11, "minute": 11}
